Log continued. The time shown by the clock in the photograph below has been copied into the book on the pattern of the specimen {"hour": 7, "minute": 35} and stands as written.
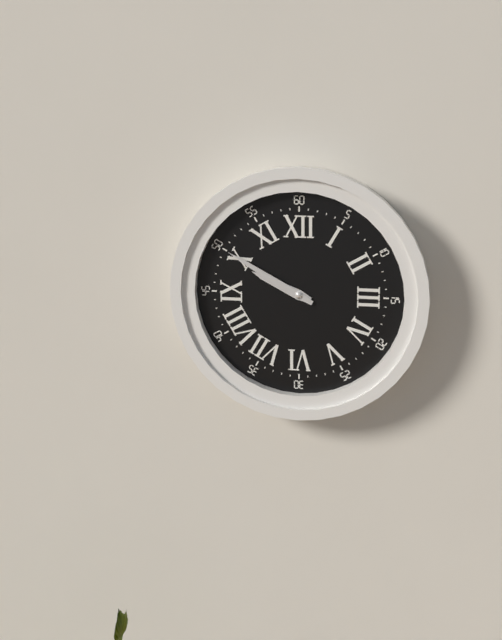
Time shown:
{"hour": 9, "minute": 50}
